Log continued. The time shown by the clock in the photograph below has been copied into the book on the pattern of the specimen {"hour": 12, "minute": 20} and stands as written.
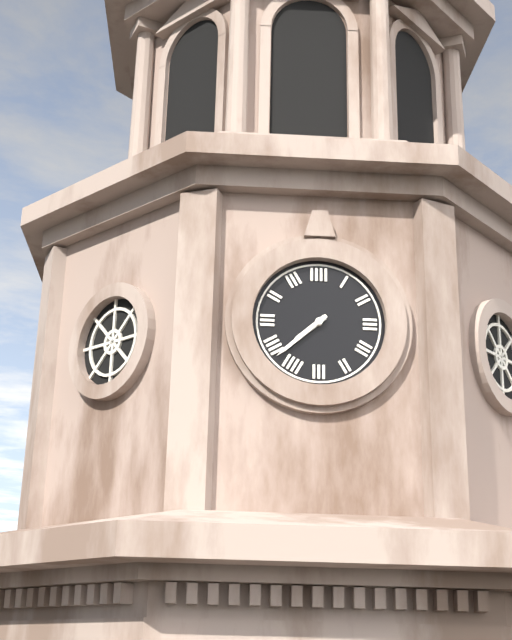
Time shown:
{"hour": 7, "minute": 38}
